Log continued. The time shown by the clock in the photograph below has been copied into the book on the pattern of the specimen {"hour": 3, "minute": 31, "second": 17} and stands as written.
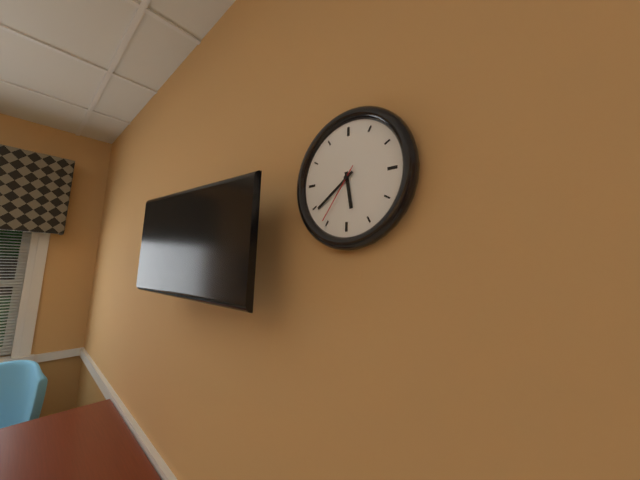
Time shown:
{"hour": 5, "minute": 39, "second": 36}
